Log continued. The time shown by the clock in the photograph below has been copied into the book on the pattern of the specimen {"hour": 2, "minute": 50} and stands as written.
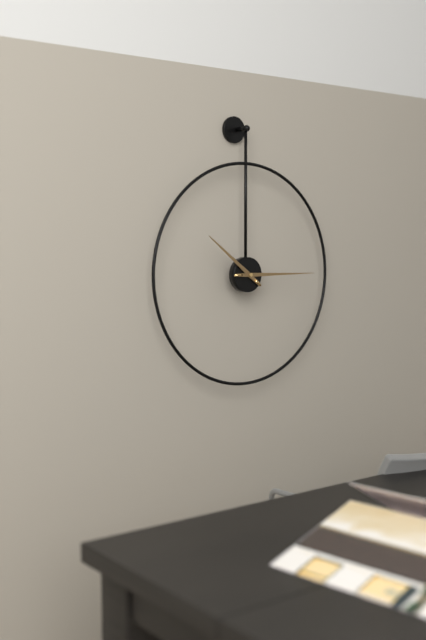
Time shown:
{"hour": 10, "minute": 15}
